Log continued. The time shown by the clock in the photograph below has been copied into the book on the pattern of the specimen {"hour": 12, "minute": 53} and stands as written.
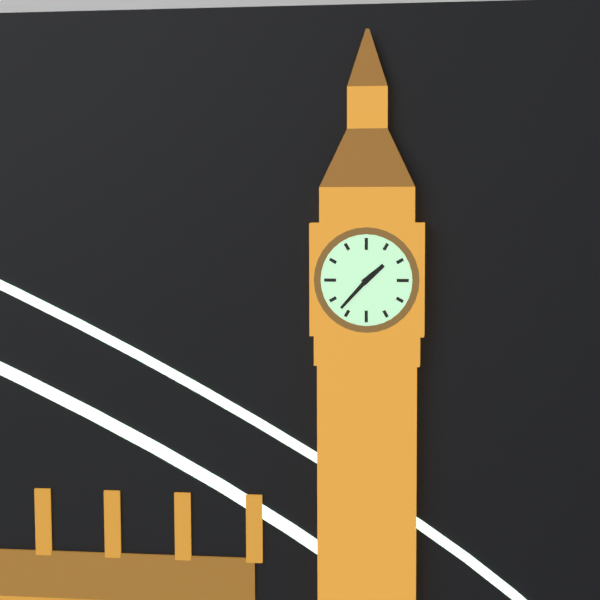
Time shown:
{"hour": 1, "minute": 37}
